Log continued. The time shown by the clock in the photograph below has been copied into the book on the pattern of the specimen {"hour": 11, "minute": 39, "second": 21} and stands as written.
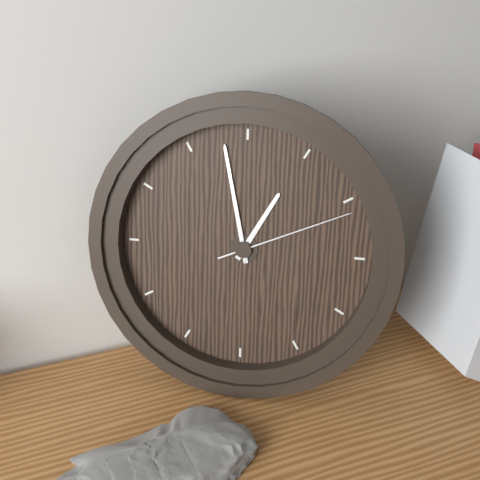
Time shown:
{"hour": 12, "minute": 58, "second": 11}
